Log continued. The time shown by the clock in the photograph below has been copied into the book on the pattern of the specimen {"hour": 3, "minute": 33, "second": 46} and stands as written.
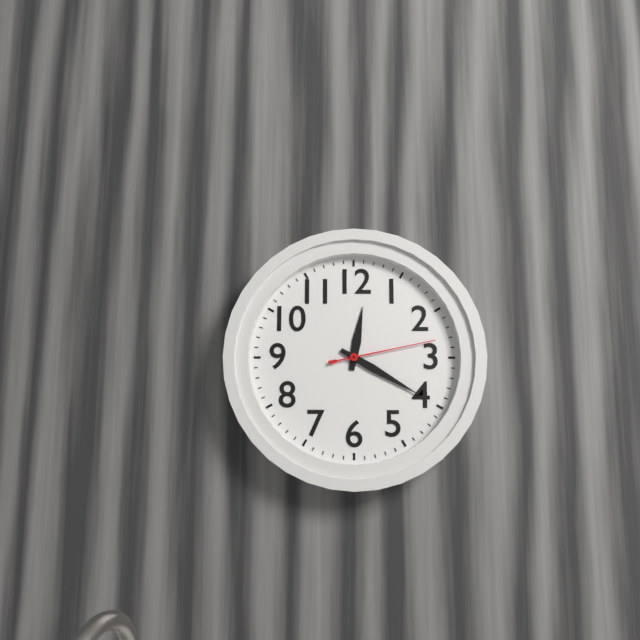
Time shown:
{"hour": 12, "minute": 20, "second": 13}
